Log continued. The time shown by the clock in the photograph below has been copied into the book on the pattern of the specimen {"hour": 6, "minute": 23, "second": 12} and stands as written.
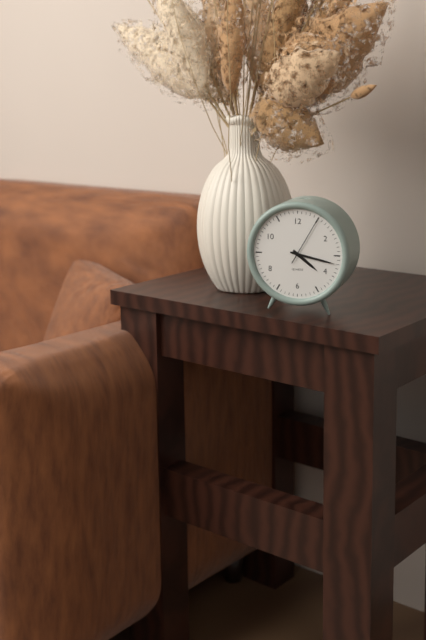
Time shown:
{"hour": 4, "minute": 17, "second": 5}
